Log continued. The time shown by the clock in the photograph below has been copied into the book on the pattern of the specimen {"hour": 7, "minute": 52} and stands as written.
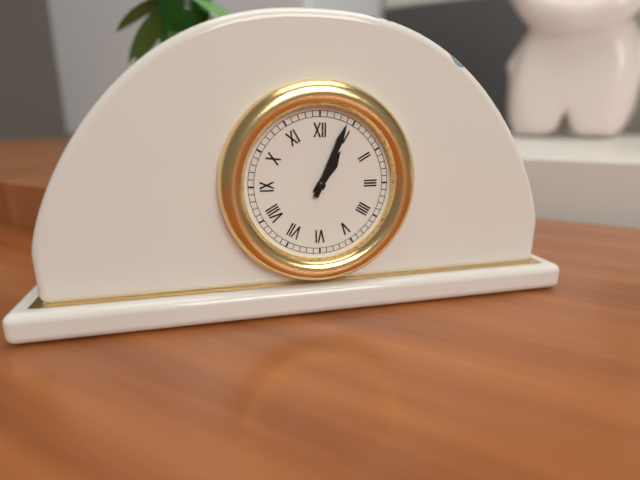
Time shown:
{"hour": 1, "minute": 4}
